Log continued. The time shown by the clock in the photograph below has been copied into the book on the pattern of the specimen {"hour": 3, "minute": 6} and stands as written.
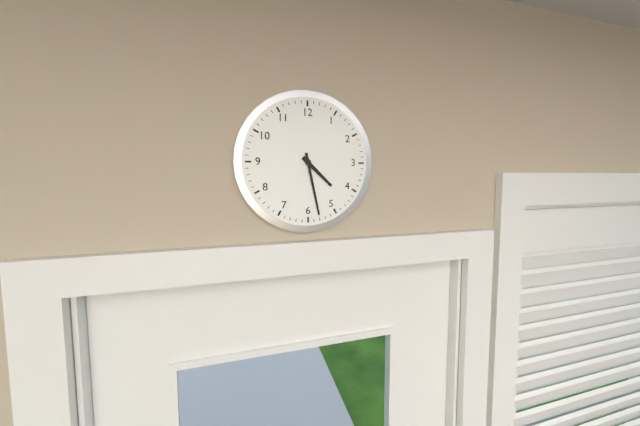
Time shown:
{"hour": 4, "minute": 28}
